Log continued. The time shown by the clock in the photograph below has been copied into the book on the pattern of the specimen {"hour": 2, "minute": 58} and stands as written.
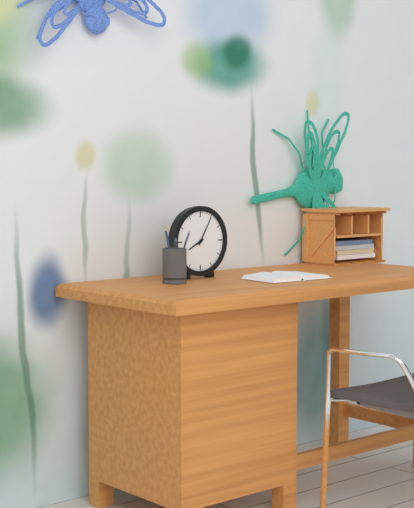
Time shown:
{"hour": 8, "minute": 5}
